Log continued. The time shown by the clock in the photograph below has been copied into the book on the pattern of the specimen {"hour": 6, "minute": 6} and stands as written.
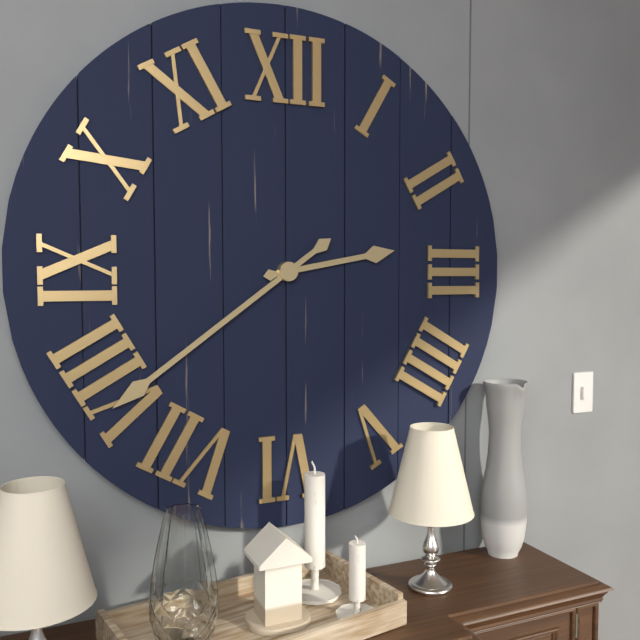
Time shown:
{"hour": 2, "minute": 39}
